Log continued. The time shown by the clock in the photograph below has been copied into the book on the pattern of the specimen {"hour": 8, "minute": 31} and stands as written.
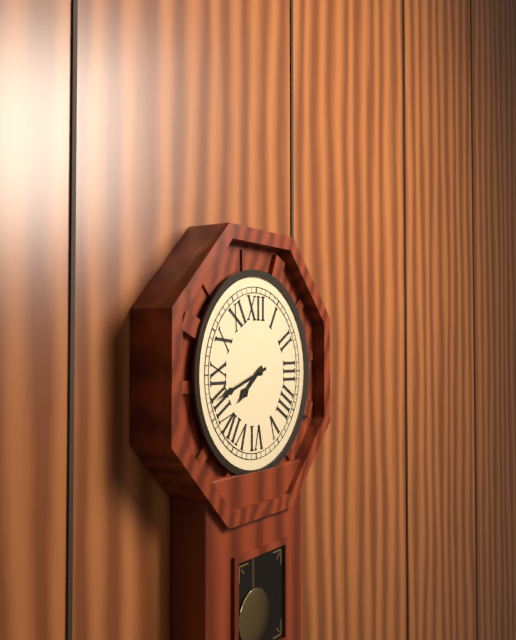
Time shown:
{"hour": 7, "minute": 42}
